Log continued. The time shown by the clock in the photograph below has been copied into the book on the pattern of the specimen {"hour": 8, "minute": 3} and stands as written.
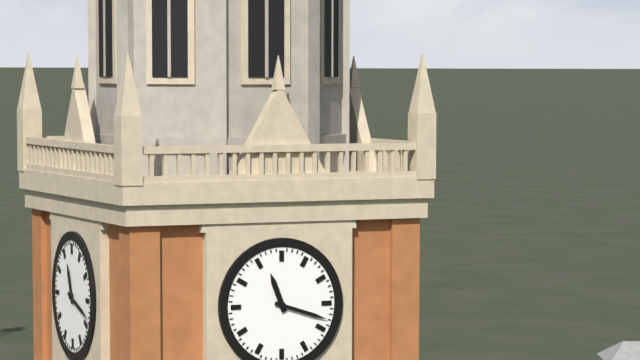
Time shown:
{"hour": 11, "minute": 18}
